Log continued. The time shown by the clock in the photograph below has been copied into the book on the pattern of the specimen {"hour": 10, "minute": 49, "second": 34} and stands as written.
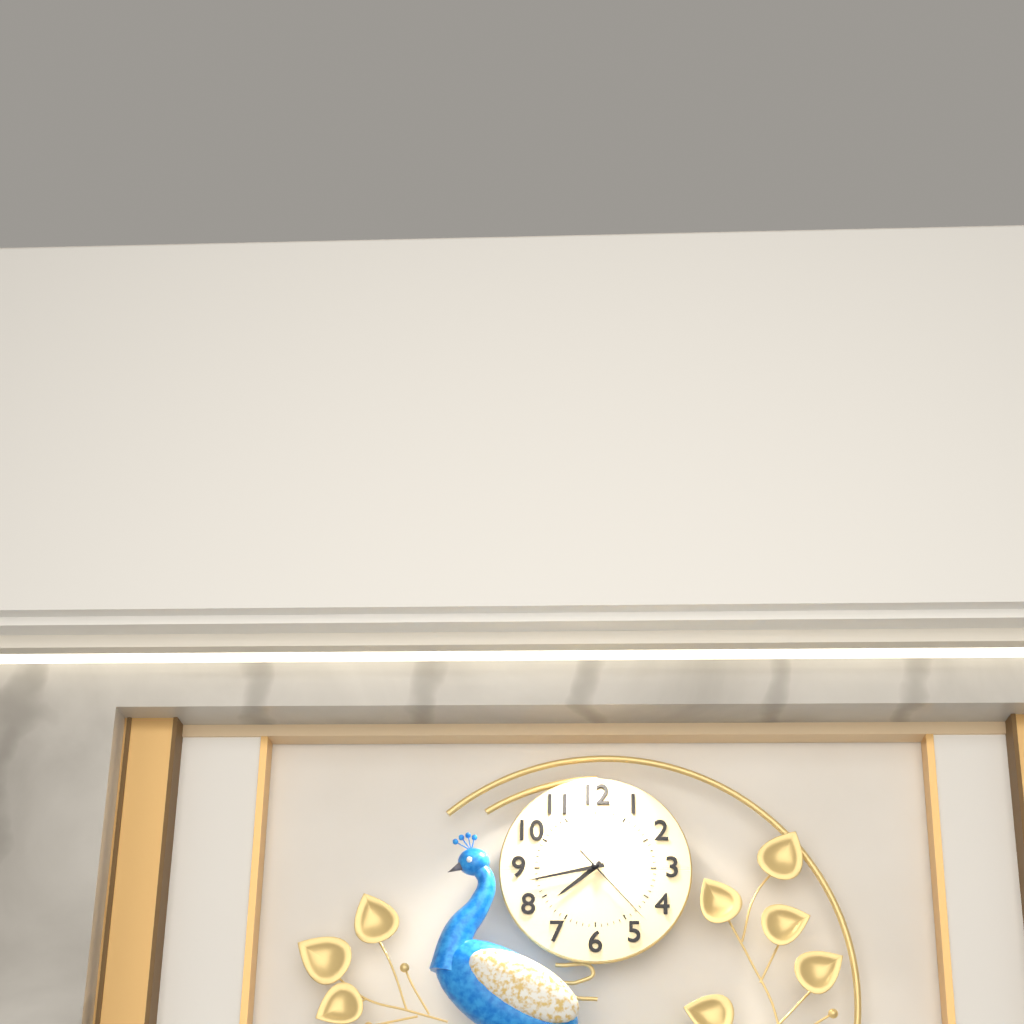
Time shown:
{"hour": 7, "minute": 43, "second": 23}
